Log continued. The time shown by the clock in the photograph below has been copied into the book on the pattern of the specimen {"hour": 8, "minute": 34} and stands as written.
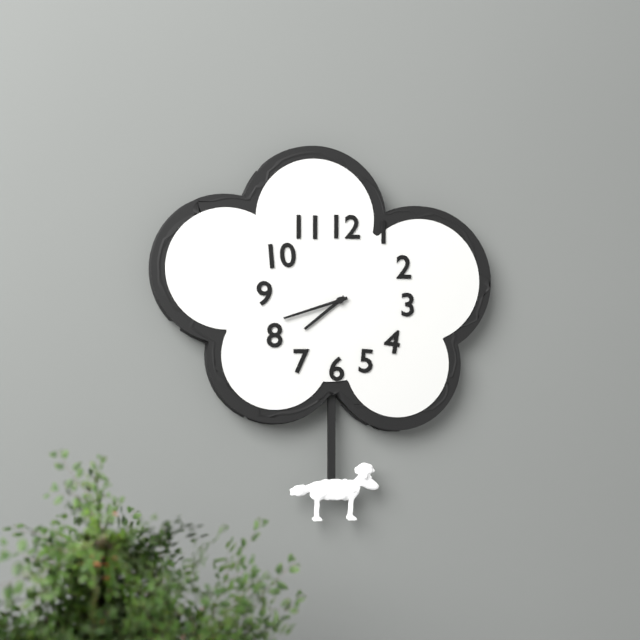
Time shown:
{"hour": 7, "minute": 42}
